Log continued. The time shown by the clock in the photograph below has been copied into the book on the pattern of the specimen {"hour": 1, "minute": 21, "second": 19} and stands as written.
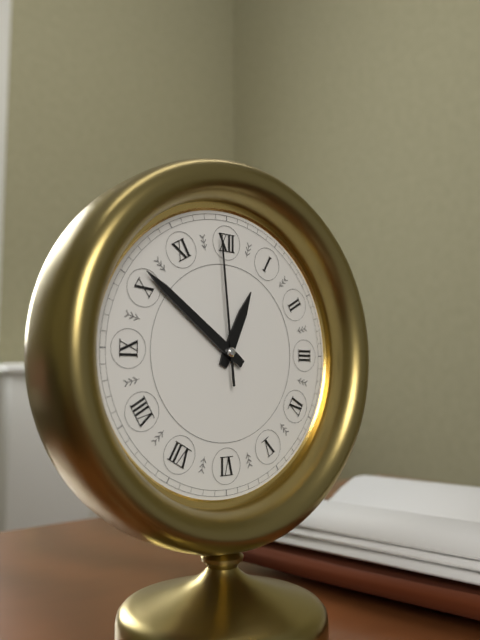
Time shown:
{"hour": 12, "minute": 51, "second": 59}
